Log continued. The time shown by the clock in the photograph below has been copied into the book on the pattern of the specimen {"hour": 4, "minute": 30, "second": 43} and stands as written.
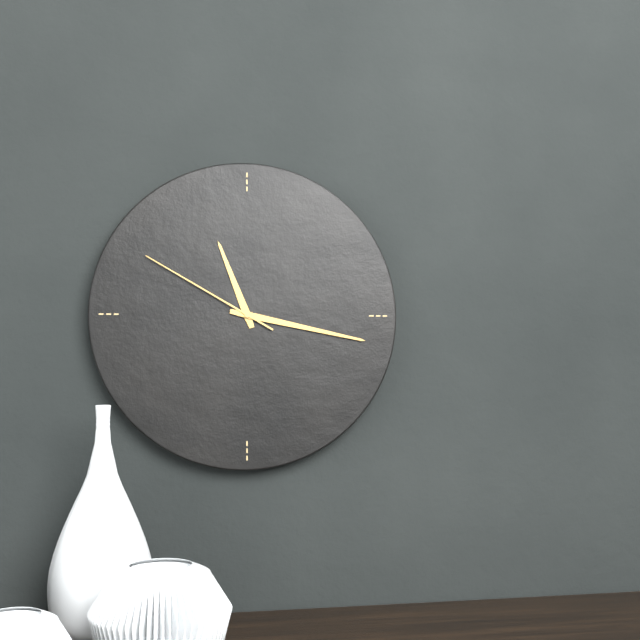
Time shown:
{"hour": 11, "minute": 17, "second": 50}
